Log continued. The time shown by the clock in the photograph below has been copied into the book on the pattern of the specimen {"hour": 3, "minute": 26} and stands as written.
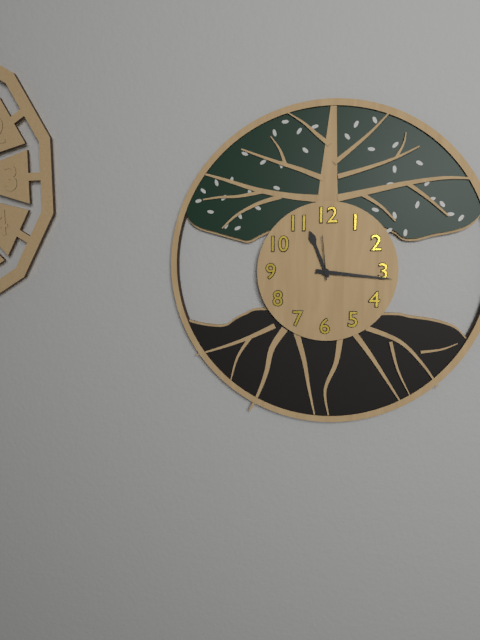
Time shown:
{"hour": 11, "minute": 16}
